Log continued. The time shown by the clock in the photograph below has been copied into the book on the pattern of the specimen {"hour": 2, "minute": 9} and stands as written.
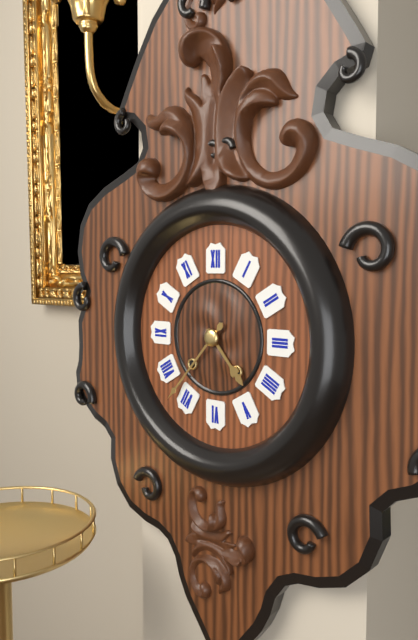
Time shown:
{"hour": 4, "minute": 37}
